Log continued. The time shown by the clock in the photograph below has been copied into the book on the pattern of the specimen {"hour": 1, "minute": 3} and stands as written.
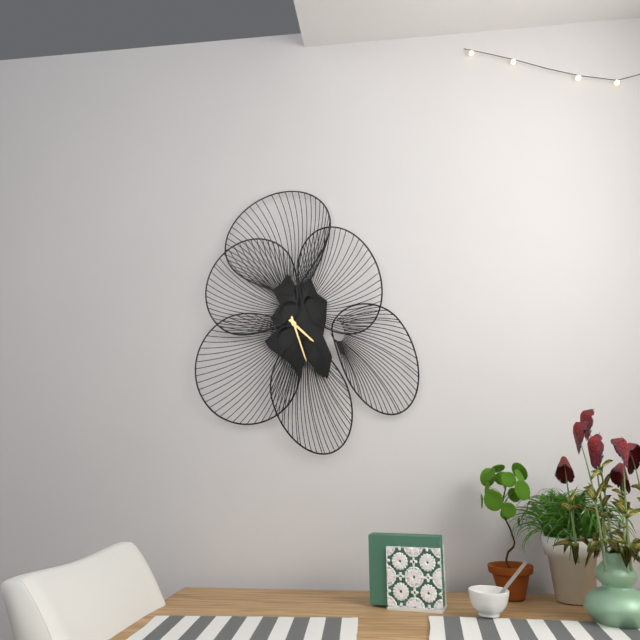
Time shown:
{"hour": 4, "minute": 27}
